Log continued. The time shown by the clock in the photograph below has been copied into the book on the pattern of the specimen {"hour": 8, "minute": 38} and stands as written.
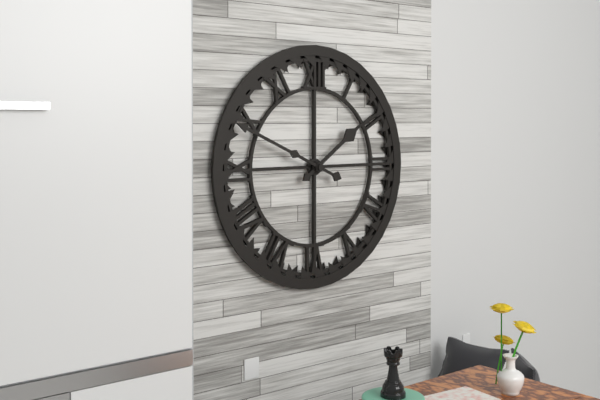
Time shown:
{"hour": 1, "minute": 49}
